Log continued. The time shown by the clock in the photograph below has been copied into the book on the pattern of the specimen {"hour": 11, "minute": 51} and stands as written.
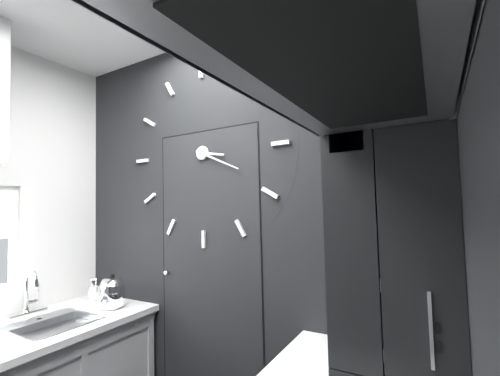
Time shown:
{"hour": 3, "minute": 19}
